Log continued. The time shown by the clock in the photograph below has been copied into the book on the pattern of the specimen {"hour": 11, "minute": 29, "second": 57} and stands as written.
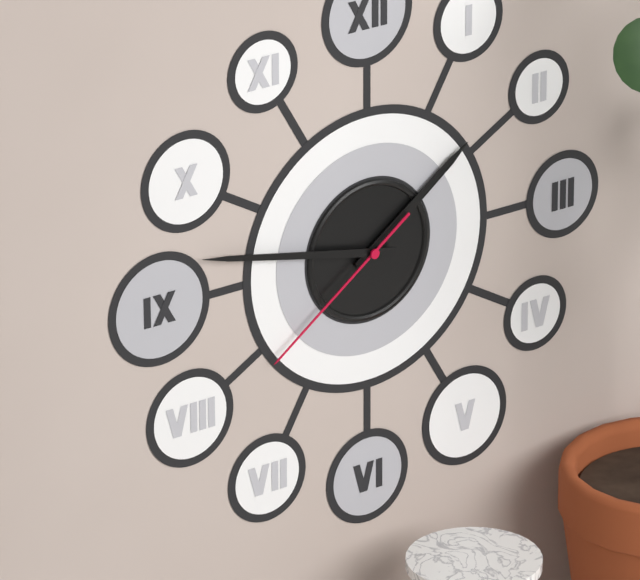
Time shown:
{"hour": 1, "minute": 47, "second": 39}
